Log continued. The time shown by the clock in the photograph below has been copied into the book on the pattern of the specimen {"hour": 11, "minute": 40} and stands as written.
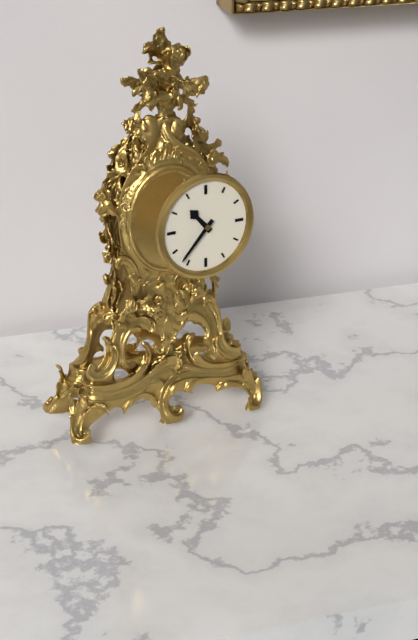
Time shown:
{"hour": 10, "minute": 37}
